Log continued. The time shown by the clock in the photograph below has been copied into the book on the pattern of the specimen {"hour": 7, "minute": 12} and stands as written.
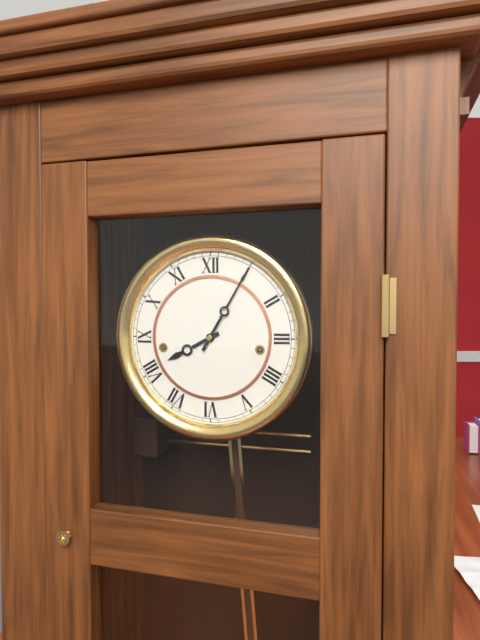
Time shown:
{"hour": 8, "minute": 5}
